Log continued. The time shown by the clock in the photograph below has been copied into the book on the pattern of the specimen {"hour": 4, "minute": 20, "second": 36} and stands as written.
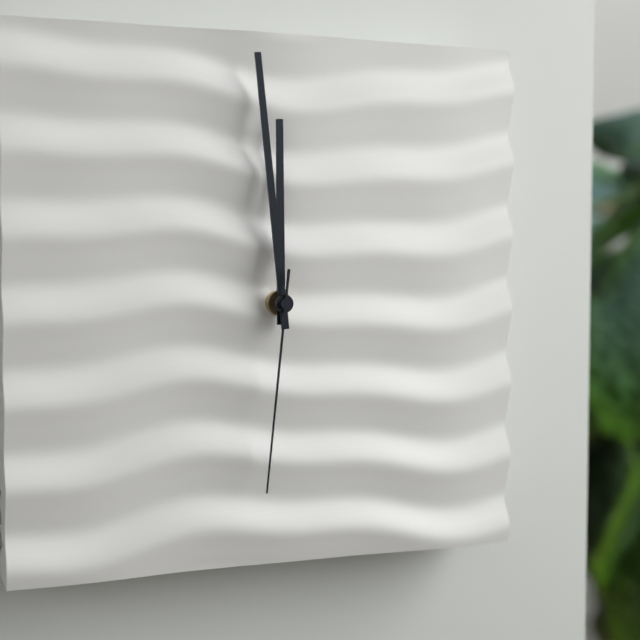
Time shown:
{"hour": 11, "minute": 59, "second": 31}
